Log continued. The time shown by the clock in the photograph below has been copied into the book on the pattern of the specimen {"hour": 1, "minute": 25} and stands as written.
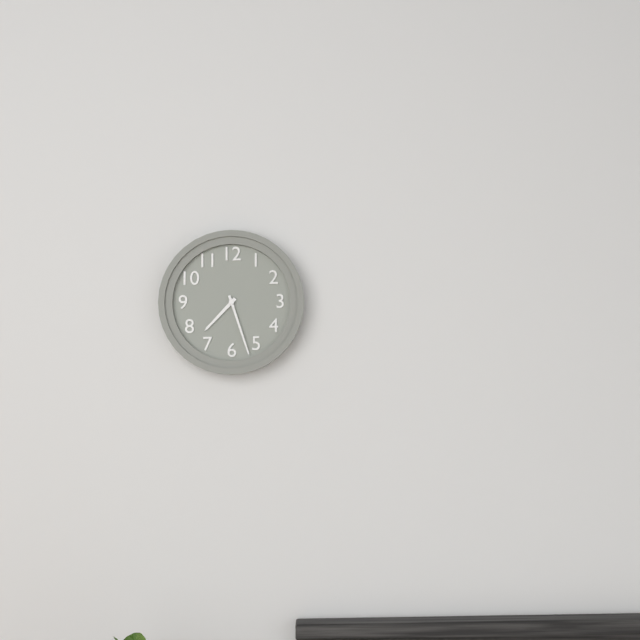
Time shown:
{"hour": 7, "minute": 27}
